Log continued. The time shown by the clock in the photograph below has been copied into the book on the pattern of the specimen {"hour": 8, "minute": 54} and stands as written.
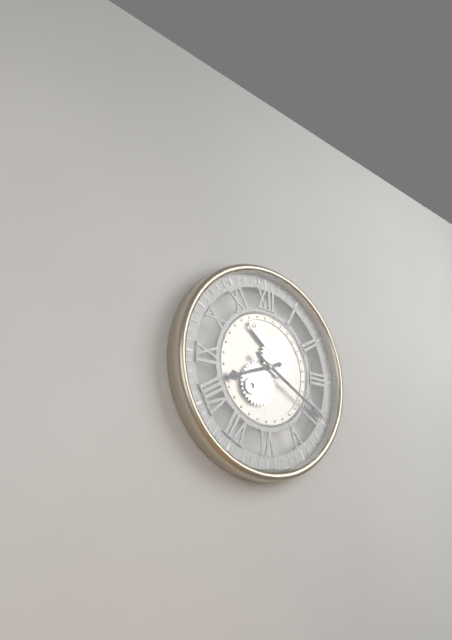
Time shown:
{"hour": 8, "minute": 20}
